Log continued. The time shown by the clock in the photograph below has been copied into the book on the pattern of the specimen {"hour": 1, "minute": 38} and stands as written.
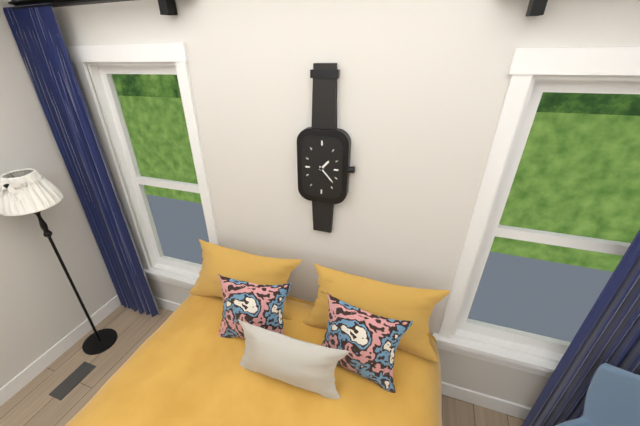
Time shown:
{"hour": 1, "minute": 23}
